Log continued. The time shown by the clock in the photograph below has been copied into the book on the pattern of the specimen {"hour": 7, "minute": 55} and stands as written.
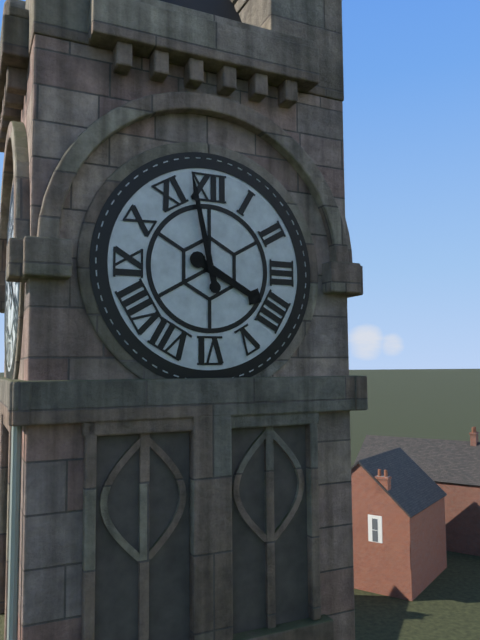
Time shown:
{"hour": 3, "minute": 58}
